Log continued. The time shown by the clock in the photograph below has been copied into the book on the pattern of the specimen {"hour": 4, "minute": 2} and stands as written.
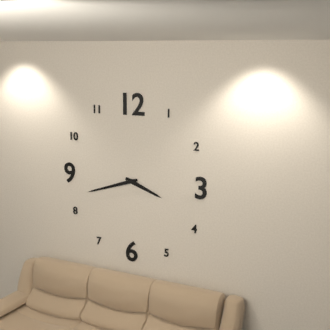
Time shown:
{"hour": 3, "minute": 42}
